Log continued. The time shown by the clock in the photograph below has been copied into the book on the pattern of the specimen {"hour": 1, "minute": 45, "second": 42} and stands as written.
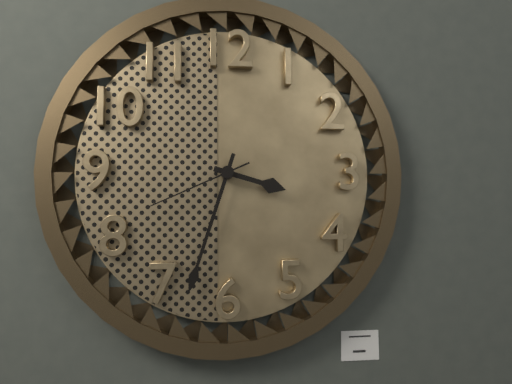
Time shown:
{"hour": 3, "minute": 33, "second": 41}
